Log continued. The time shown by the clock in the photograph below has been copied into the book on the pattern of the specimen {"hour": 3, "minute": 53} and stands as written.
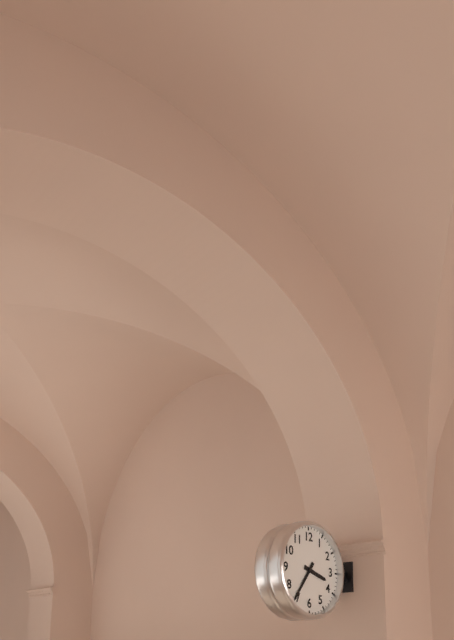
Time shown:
{"hour": 3, "minute": 36}
